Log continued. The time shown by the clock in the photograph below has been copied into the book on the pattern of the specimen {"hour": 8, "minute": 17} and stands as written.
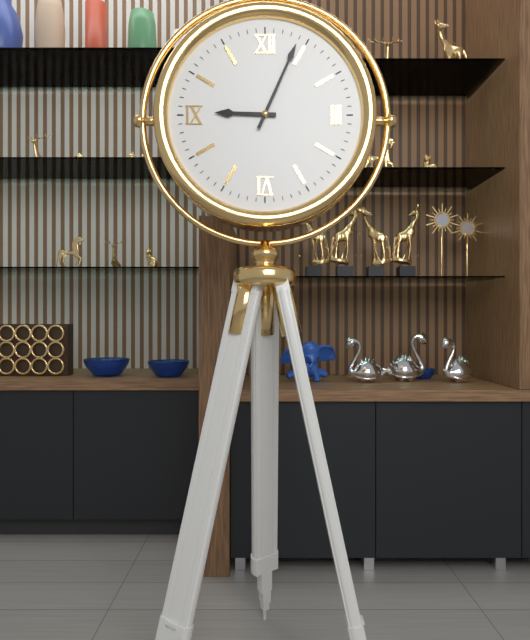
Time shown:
{"hour": 9, "minute": 4}
